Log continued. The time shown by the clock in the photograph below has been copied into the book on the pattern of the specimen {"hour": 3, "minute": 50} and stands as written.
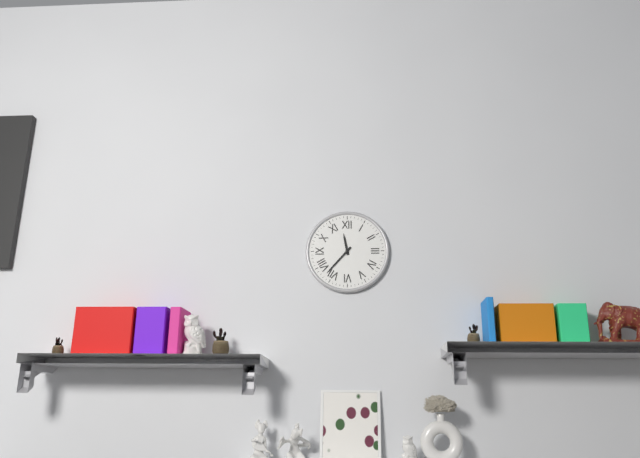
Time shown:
{"hour": 11, "minute": 37}
